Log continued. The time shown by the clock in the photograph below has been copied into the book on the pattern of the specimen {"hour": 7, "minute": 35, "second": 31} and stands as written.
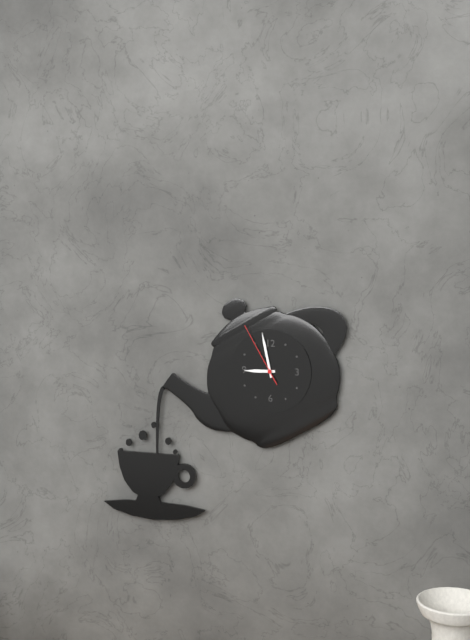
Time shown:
{"hour": 8, "minute": 58, "second": 55}
